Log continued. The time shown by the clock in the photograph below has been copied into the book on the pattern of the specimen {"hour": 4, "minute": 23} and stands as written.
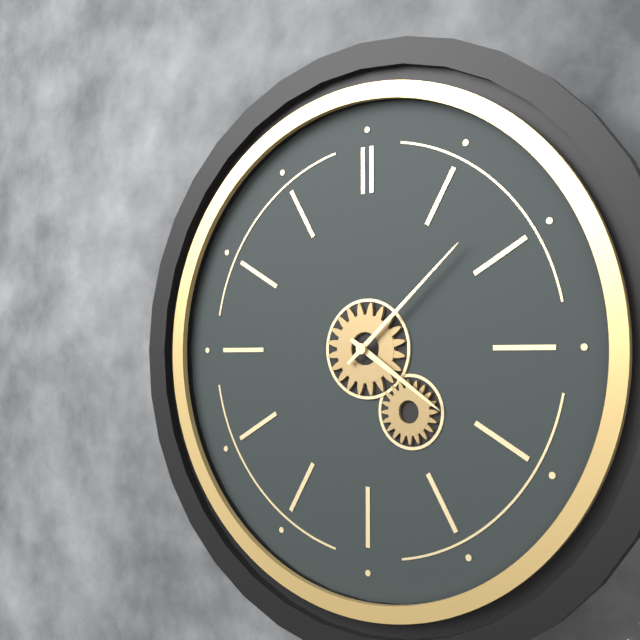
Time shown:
{"hour": 4, "minute": 8}
